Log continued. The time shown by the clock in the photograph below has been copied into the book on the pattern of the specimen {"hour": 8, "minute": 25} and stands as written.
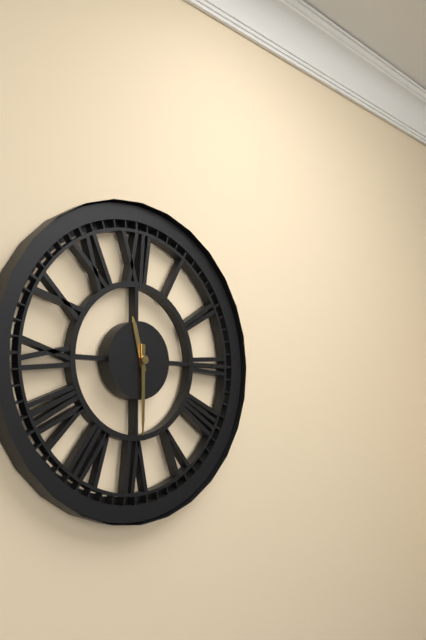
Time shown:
{"hour": 11, "minute": 30}
